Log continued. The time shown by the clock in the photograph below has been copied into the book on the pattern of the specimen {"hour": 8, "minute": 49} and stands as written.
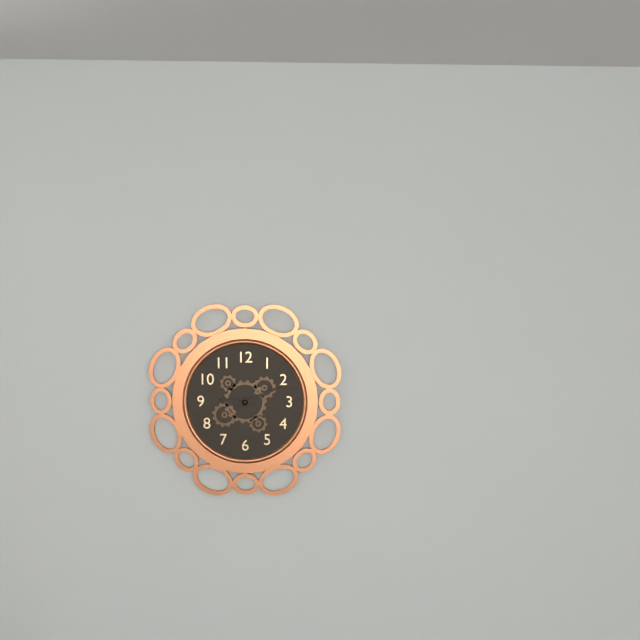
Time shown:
{"hour": 9, "minute": 11}
